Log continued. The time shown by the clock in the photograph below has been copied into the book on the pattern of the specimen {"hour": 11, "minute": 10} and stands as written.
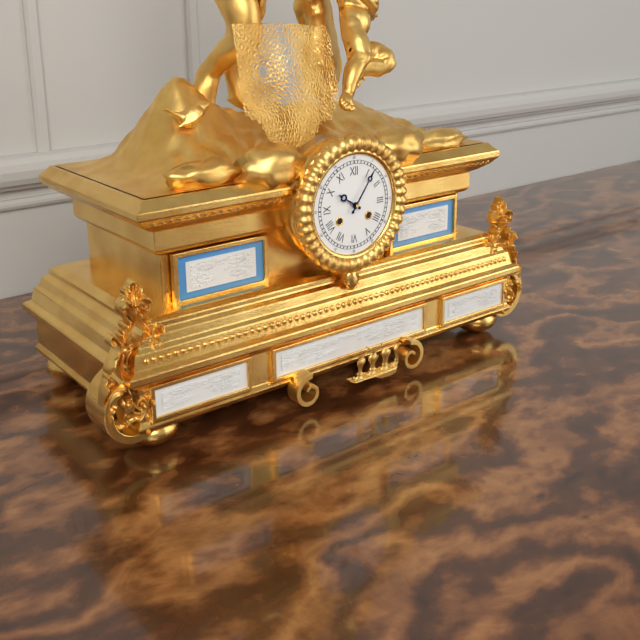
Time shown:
{"hour": 10, "minute": 6}
